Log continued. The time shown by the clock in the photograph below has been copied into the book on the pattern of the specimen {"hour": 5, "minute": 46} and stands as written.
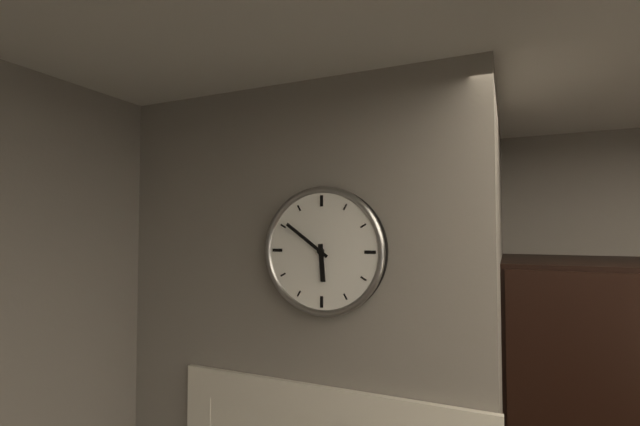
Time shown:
{"hour": 5, "minute": 51}
